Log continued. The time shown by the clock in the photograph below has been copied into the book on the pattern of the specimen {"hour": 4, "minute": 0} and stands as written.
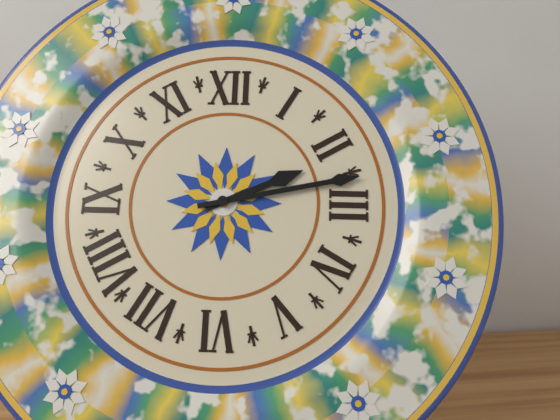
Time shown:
{"hour": 2, "minute": 13}
